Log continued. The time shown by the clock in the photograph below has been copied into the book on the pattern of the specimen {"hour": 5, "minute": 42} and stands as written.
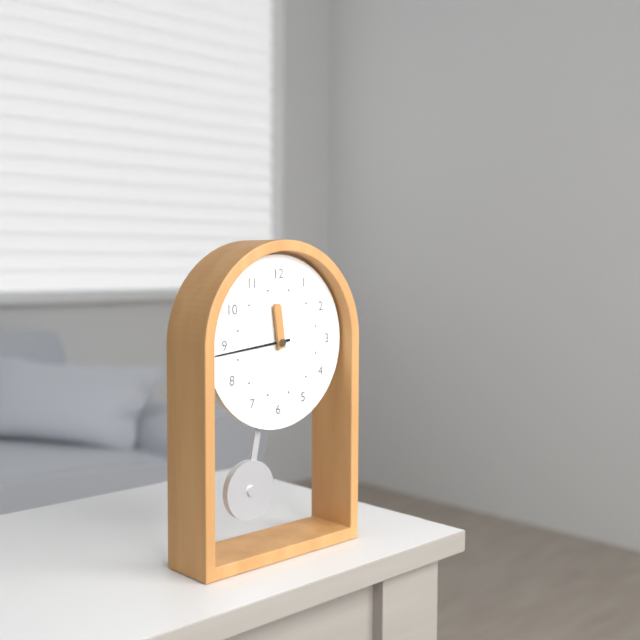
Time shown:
{"hour": 11, "minute": 44}
